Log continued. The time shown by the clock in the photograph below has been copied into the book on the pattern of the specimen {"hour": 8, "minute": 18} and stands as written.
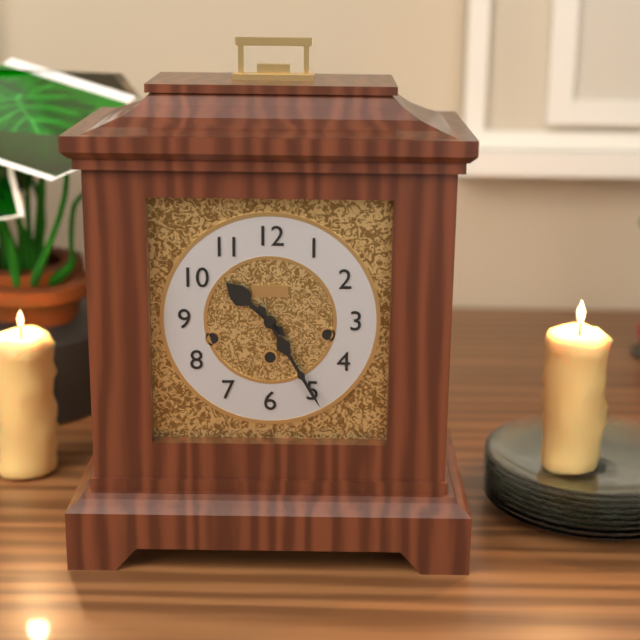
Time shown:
{"hour": 10, "minute": 25}
